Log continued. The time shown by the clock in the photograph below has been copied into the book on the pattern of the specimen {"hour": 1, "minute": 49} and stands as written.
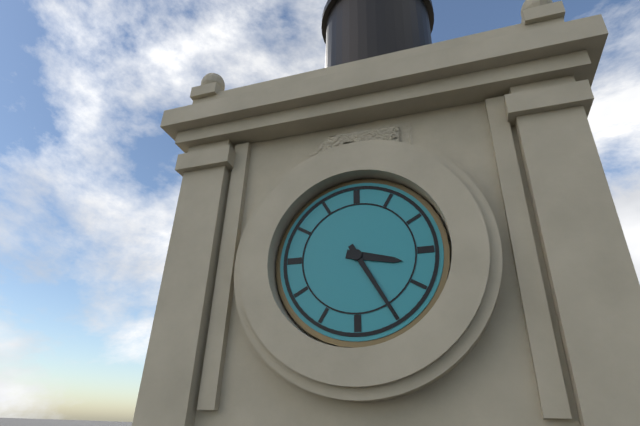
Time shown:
{"hour": 3, "minute": 25}
